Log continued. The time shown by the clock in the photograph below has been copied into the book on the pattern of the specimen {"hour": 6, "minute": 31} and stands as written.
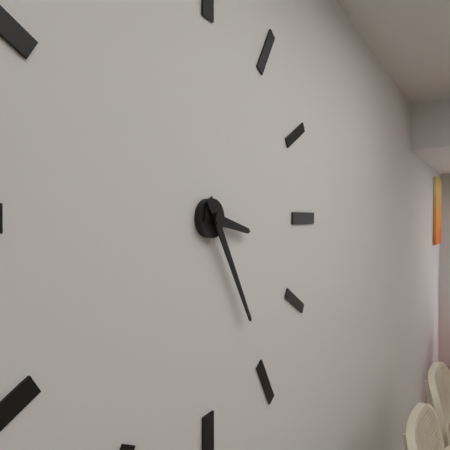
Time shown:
{"hour": 3, "minute": 25}
